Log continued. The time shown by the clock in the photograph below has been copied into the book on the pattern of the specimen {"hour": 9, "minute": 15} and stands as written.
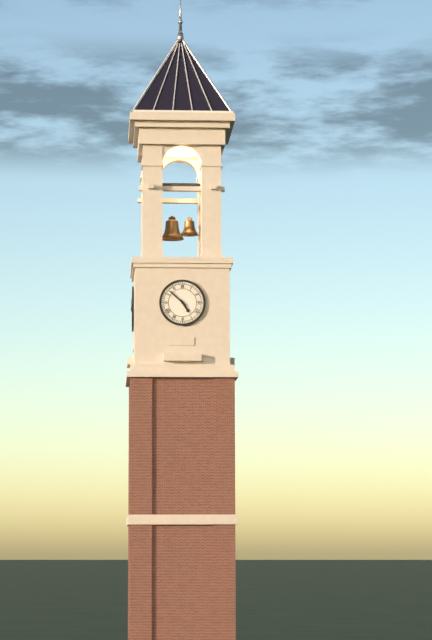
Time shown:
{"hour": 4, "minute": 52}
